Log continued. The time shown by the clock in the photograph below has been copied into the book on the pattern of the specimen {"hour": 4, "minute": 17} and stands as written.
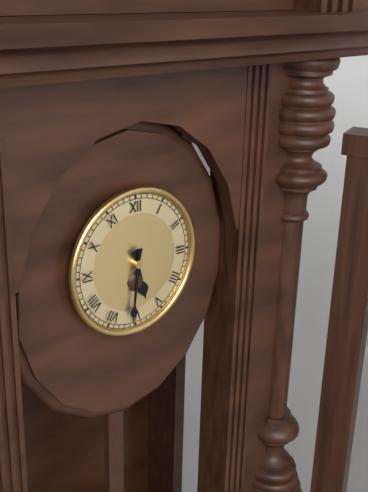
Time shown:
{"hour": 5, "minute": 31}
